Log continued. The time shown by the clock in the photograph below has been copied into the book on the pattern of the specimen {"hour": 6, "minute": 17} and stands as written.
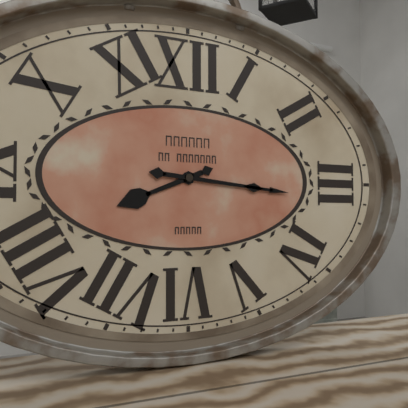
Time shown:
{"hour": 8, "minute": 16}
